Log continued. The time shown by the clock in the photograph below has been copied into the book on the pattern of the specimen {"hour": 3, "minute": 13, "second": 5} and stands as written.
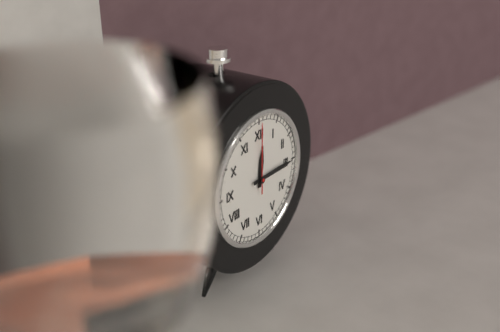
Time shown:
{"hour": 12, "minute": 15, "second": 0}
